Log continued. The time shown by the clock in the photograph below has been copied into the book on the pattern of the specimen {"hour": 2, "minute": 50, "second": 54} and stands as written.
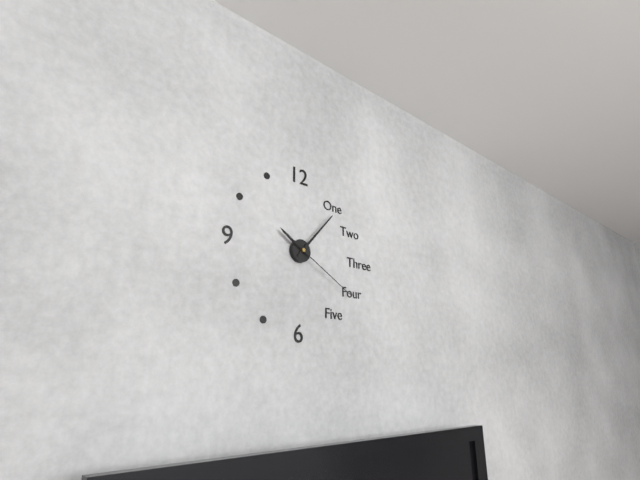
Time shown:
{"hour": 10, "minute": 7, "second": 20}
